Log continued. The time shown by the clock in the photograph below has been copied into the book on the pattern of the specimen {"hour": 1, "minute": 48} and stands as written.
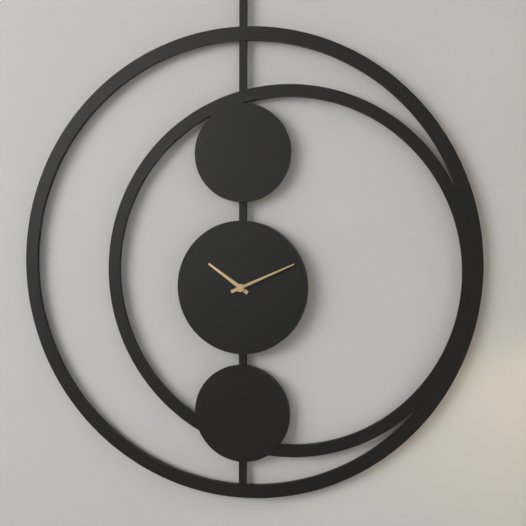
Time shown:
{"hour": 10, "minute": 11}
